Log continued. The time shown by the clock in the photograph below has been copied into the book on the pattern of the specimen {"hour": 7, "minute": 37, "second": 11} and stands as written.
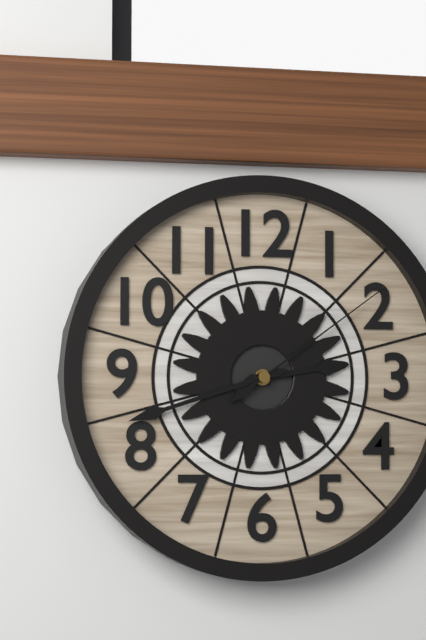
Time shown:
{"hour": 2, "minute": 42, "second": 9}
